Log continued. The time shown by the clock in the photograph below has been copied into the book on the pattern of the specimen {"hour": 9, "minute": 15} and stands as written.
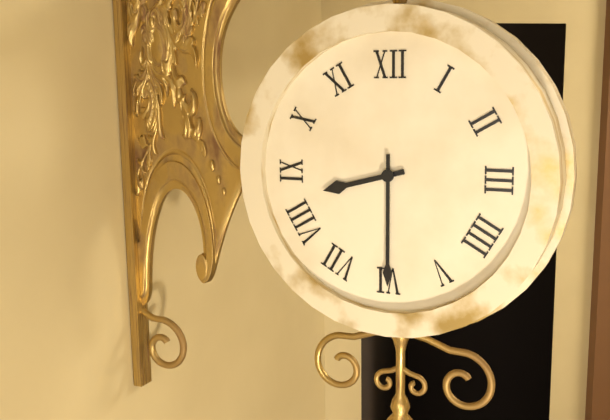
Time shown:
{"hour": 8, "minute": 30}
